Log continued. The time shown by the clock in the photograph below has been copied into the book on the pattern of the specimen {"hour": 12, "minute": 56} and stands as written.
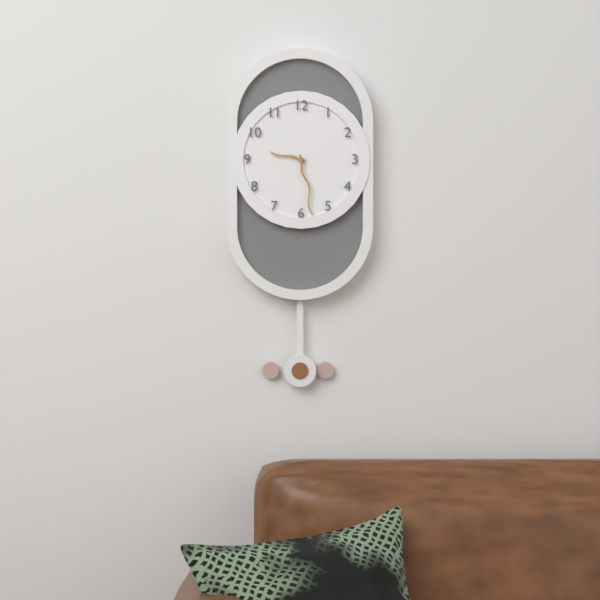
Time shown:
{"hour": 9, "minute": 28}
